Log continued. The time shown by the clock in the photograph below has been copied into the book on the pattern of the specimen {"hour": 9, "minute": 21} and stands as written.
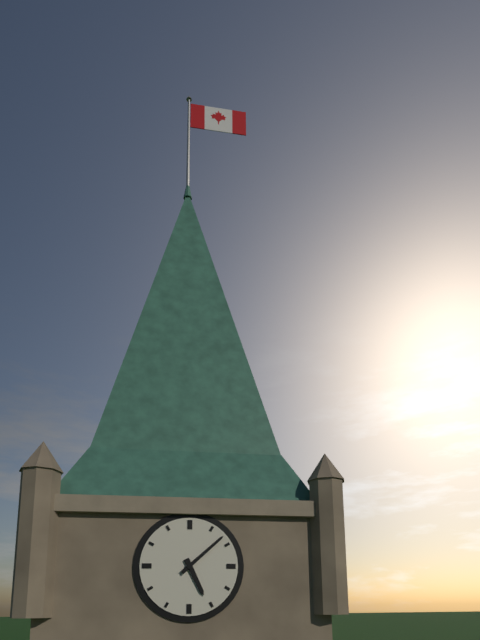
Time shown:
{"hour": 5, "minute": 8}
